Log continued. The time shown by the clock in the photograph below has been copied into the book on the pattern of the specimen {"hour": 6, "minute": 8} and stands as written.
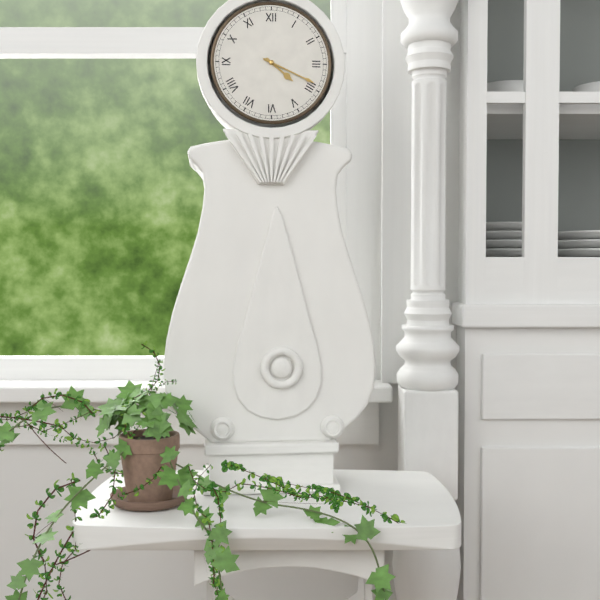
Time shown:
{"hour": 4, "minute": 19}
